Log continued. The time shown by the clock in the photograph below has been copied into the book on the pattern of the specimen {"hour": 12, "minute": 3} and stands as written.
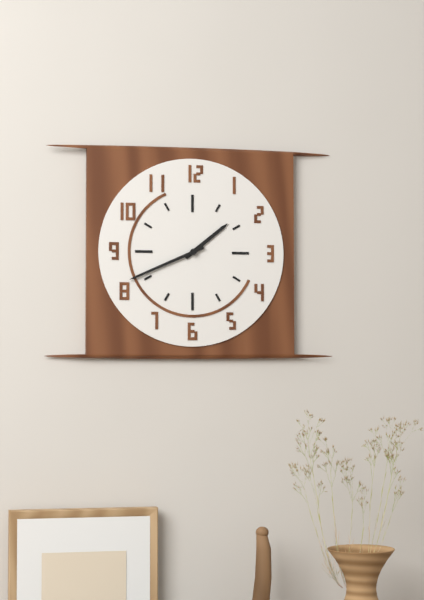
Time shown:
{"hour": 1, "minute": 41}
